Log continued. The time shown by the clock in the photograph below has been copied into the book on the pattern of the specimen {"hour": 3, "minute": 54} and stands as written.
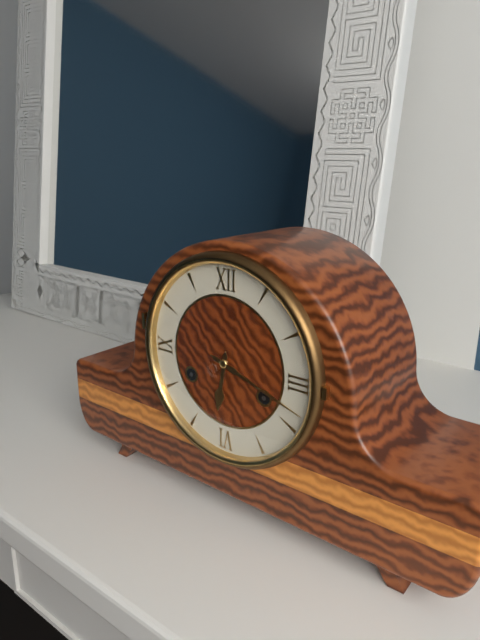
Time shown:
{"hour": 6, "minute": 18}
